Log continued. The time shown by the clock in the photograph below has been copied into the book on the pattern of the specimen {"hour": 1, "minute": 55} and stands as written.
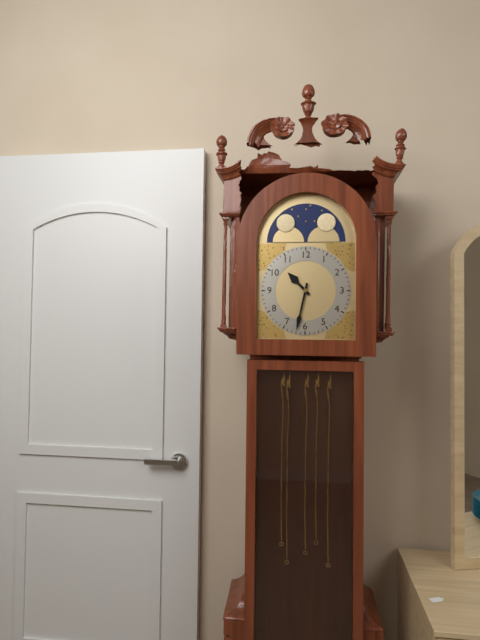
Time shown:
{"hour": 10, "minute": 32}
